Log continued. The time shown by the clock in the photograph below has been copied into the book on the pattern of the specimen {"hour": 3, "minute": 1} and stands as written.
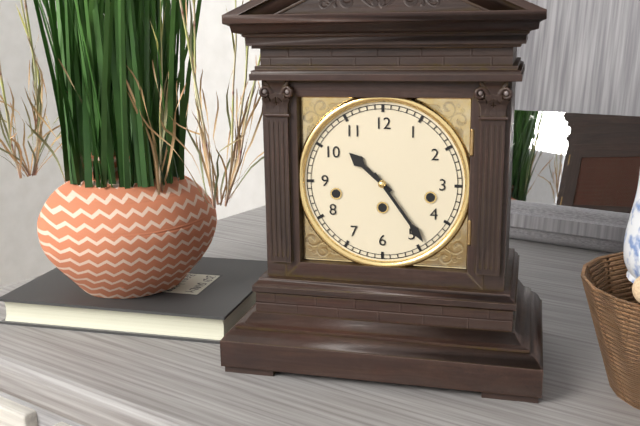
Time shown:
{"hour": 10, "minute": 24}
